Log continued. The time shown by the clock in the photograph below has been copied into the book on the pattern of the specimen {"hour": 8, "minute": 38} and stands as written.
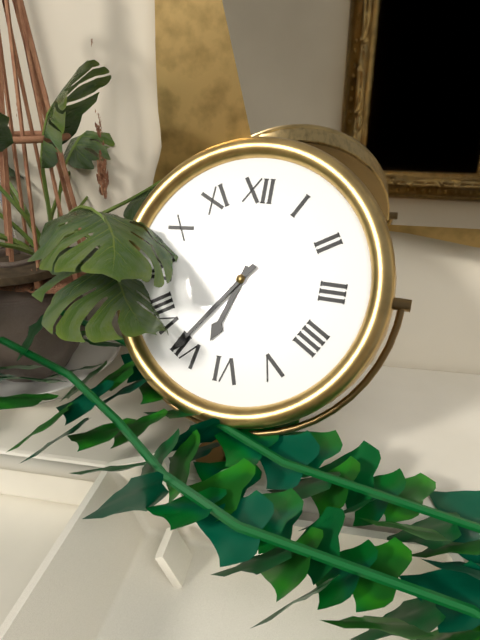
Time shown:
{"hour": 6, "minute": 36}
